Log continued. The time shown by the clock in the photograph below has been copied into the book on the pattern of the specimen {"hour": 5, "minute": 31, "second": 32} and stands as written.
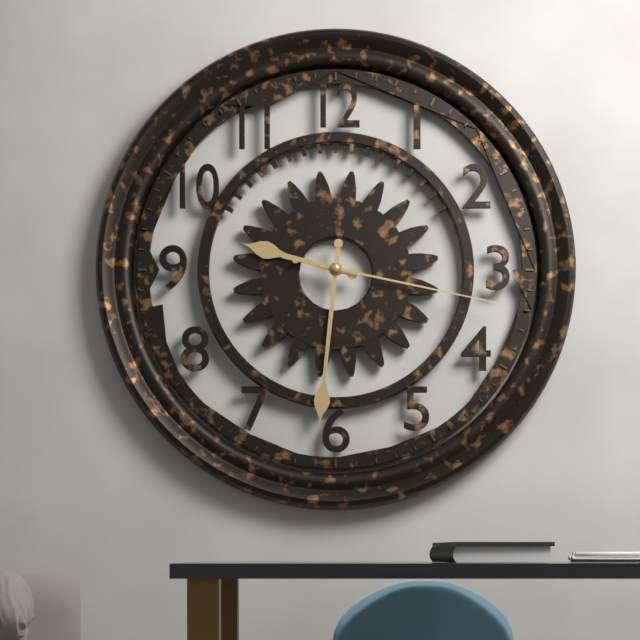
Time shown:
{"hour": 9, "minute": 31, "second": 17}
